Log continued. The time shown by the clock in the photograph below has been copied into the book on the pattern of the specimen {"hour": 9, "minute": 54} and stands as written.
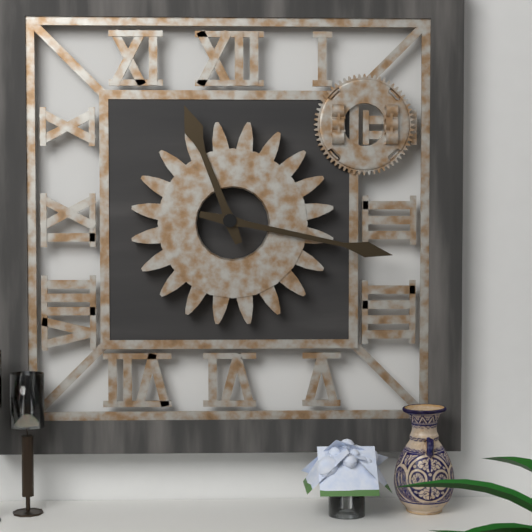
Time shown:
{"hour": 11, "minute": 17}
